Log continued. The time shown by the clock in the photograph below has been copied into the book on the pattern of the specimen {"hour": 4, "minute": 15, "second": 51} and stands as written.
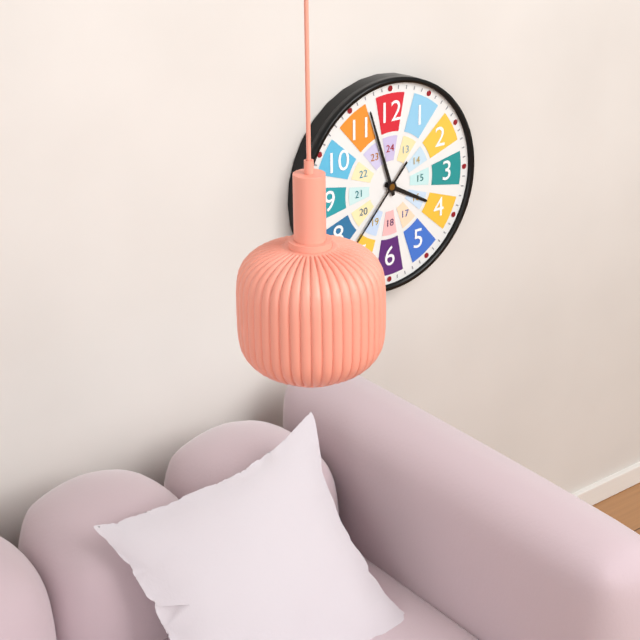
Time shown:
{"hour": 3, "minute": 57, "second": 37}
